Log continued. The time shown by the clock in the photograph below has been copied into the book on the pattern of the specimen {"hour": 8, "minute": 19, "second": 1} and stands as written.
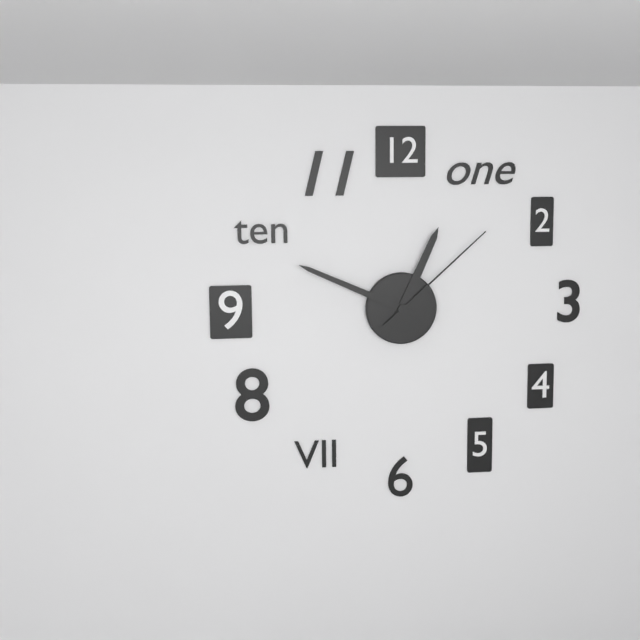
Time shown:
{"hour": 12, "minute": 49, "second": 8}
